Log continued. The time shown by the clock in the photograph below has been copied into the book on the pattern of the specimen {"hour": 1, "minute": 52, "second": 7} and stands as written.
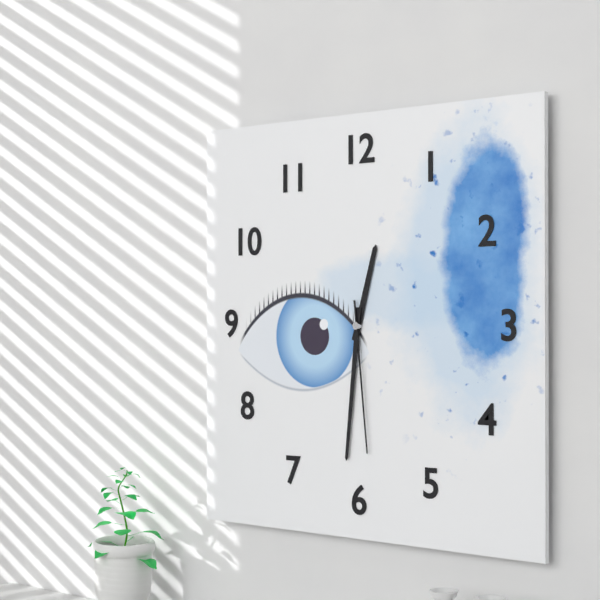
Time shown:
{"hour": 12, "minute": 31, "second": 29}
